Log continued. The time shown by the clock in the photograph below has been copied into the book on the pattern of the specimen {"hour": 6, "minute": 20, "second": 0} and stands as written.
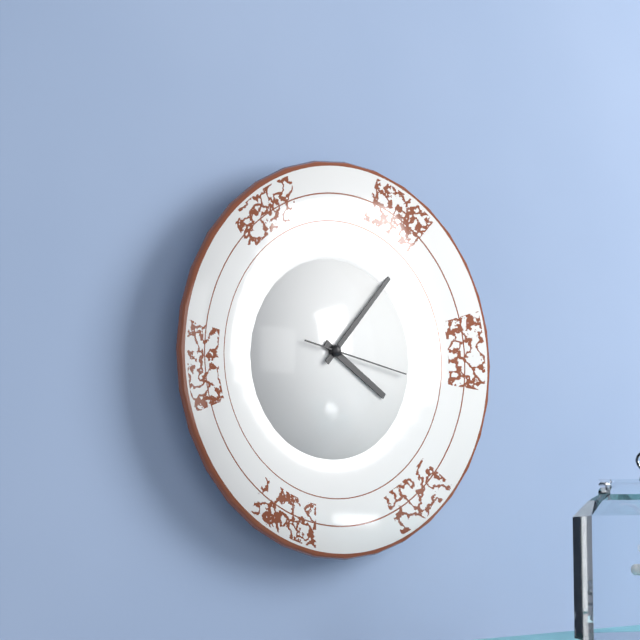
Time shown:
{"hour": 4, "minute": 7, "second": 17}
